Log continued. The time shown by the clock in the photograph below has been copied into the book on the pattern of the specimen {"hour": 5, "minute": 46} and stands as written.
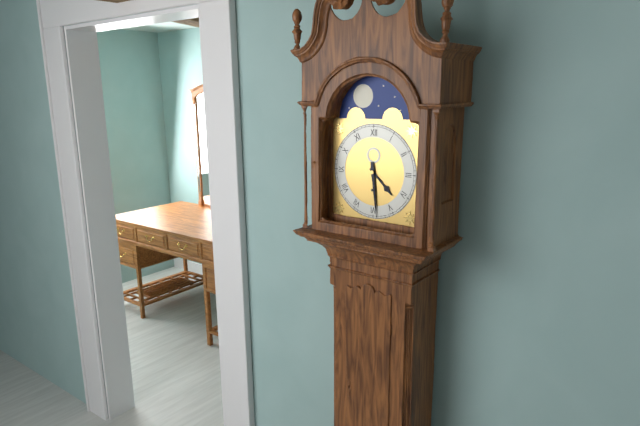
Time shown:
{"hour": 4, "minute": 29}
